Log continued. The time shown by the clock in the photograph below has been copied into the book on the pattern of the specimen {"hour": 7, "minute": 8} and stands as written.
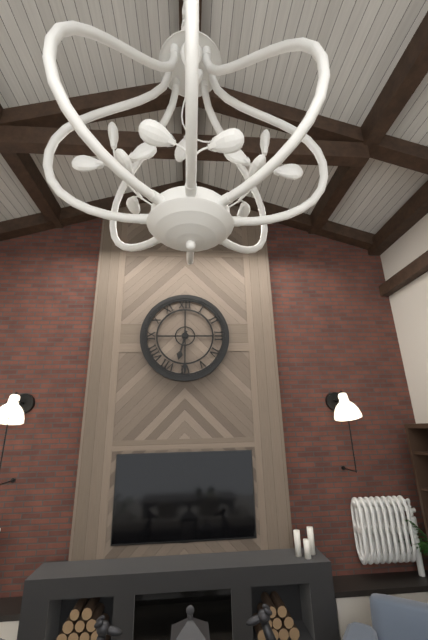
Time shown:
{"hour": 6, "minute": 30}
